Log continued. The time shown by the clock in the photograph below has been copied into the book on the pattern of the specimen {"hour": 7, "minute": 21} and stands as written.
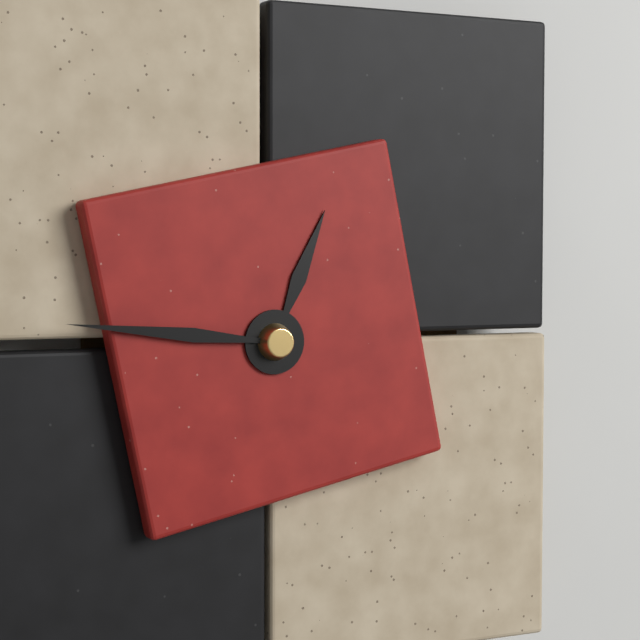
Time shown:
{"hour": 12, "minute": 46}
